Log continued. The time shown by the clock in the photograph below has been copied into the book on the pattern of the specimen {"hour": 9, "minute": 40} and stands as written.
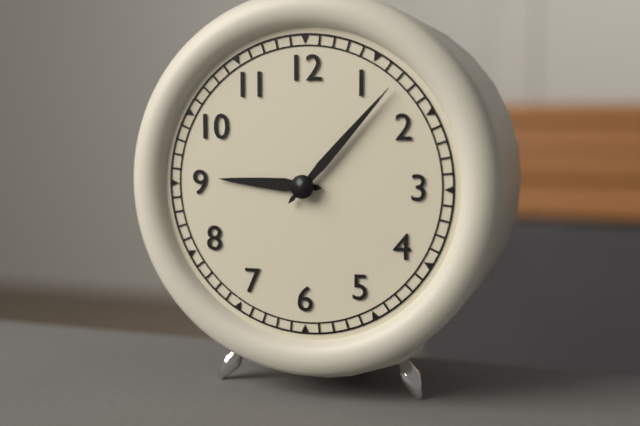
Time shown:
{"hour": 9, "minute": 7}
